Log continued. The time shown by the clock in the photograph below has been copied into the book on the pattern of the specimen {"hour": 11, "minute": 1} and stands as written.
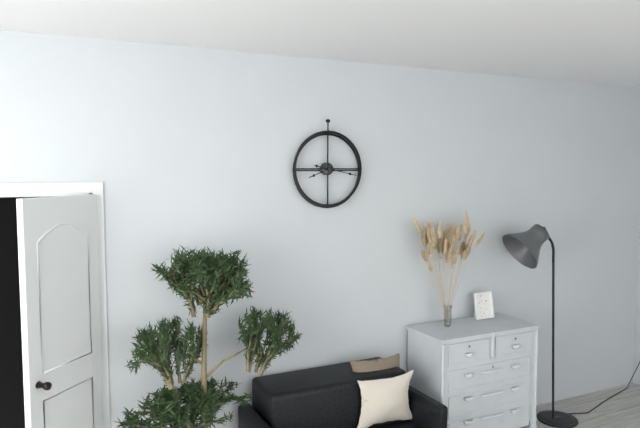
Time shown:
{"hour": 8, "minute": 17}
